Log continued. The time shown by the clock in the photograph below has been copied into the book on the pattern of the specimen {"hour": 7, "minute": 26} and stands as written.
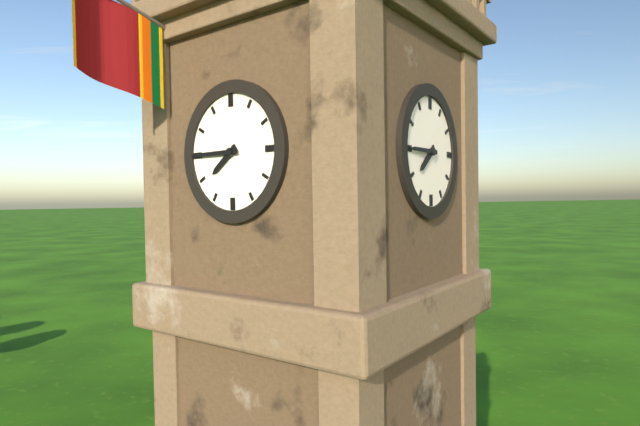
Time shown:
{"hour": 7, "minute": 45}
